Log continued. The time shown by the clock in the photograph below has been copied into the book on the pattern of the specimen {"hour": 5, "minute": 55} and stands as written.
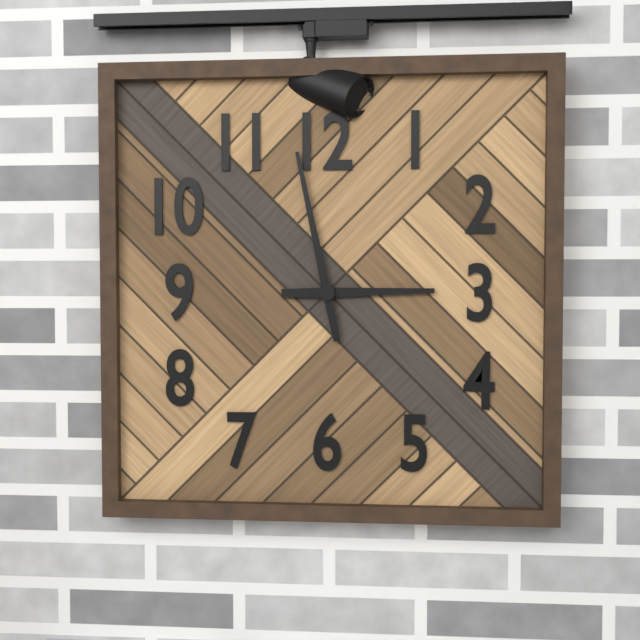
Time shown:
{"hour": 2, "minute": 58}
